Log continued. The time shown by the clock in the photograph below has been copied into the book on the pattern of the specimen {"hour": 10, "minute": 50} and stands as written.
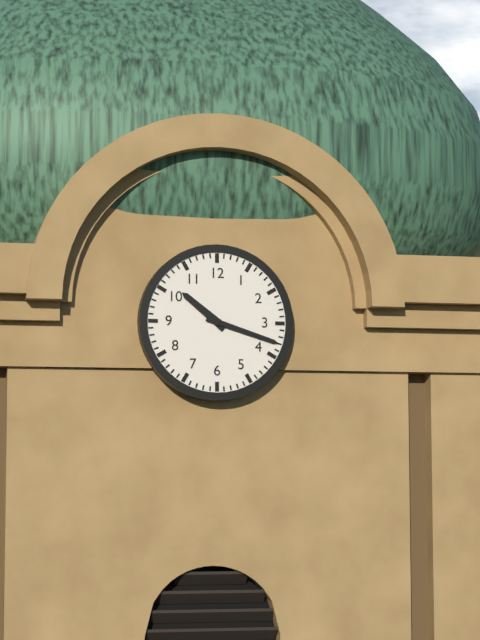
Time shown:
{"hour": 10, "minute": 18}
